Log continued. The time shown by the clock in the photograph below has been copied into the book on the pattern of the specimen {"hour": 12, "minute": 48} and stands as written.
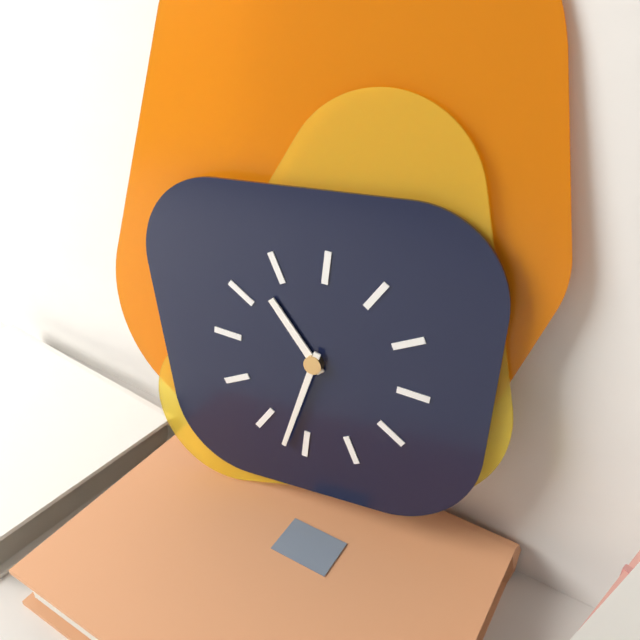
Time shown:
{"hour": 10, "minute": 32}
